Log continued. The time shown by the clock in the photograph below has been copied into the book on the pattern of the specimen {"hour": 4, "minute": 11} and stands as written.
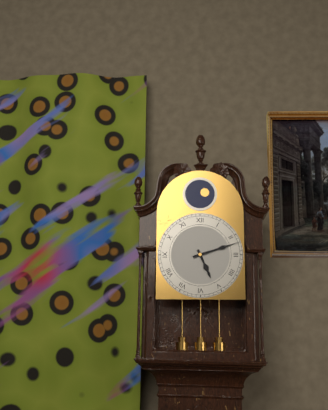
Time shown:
{"hour": 5, "minute": 12}
